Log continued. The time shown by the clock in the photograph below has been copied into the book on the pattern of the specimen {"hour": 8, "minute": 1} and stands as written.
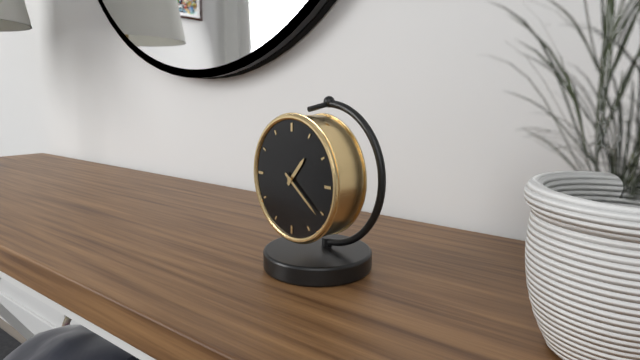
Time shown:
{"hour": 1, "minute": 21}
